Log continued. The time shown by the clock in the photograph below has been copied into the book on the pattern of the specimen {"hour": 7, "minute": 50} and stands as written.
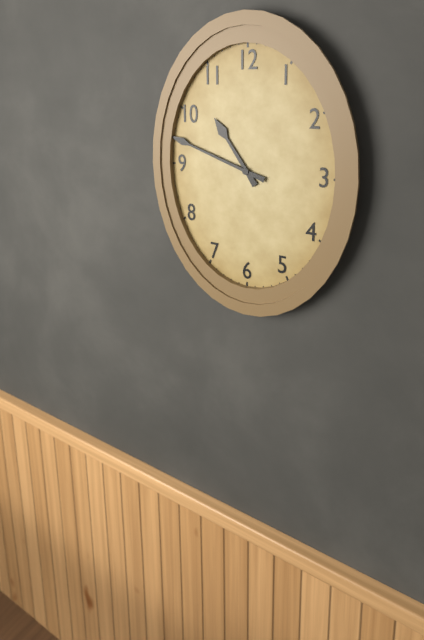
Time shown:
{"hour": 10, "minute": 48}
